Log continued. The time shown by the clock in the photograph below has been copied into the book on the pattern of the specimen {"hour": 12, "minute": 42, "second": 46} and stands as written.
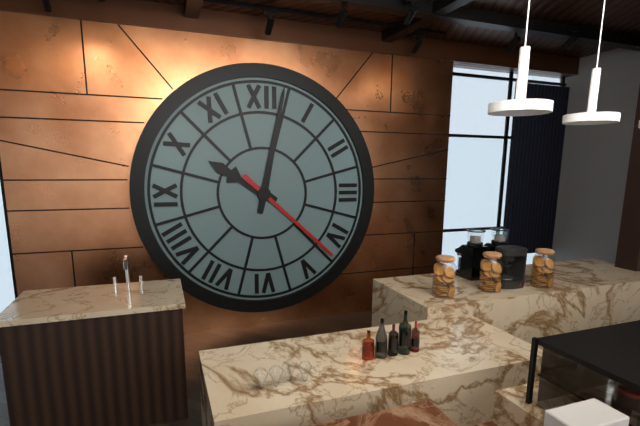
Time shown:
{"hour": 10, "minute": 2, "second": 22}
